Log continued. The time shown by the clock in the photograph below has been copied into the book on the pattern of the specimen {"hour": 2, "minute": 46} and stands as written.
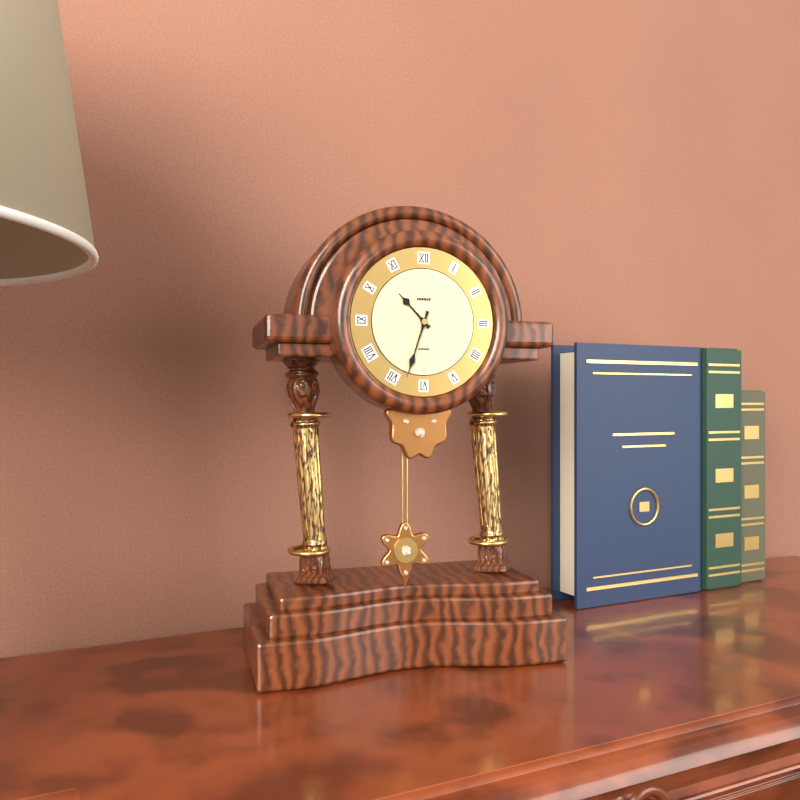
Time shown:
{"hour": 10, "minute": 33}
